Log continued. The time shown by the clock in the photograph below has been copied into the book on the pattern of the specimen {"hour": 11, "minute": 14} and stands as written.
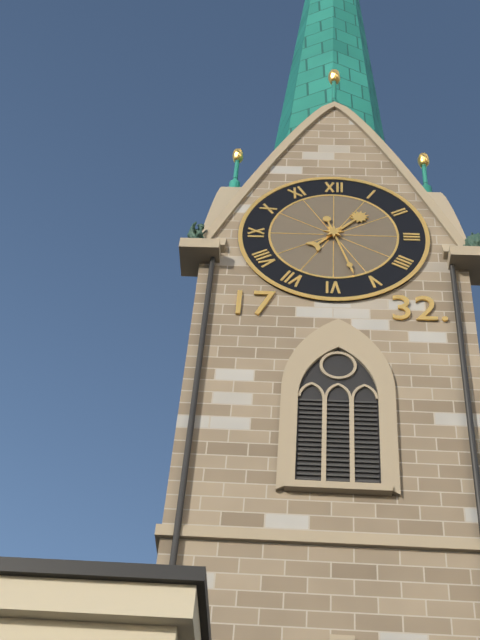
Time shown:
{"hour": 1, "minute": 27}
